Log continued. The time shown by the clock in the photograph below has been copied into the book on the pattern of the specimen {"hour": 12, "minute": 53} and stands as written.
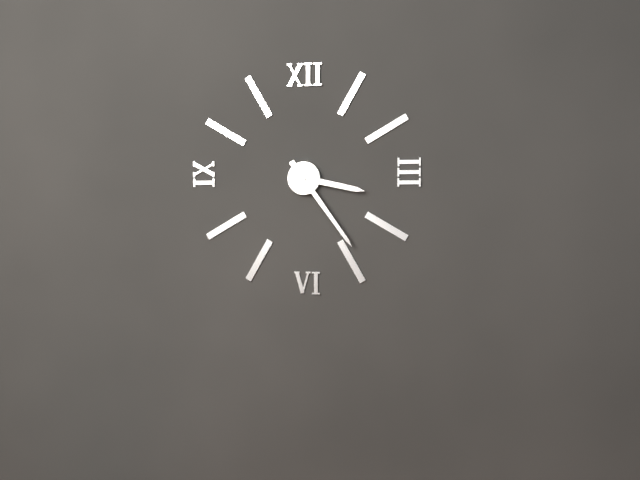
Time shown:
{"hour": 3, "minute": 24}
